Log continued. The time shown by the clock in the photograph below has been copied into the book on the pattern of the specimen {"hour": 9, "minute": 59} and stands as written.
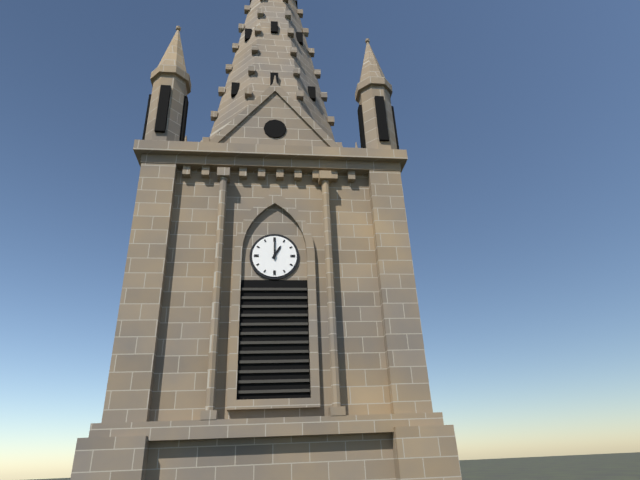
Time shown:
{"hour": 1, "minute": 0}
